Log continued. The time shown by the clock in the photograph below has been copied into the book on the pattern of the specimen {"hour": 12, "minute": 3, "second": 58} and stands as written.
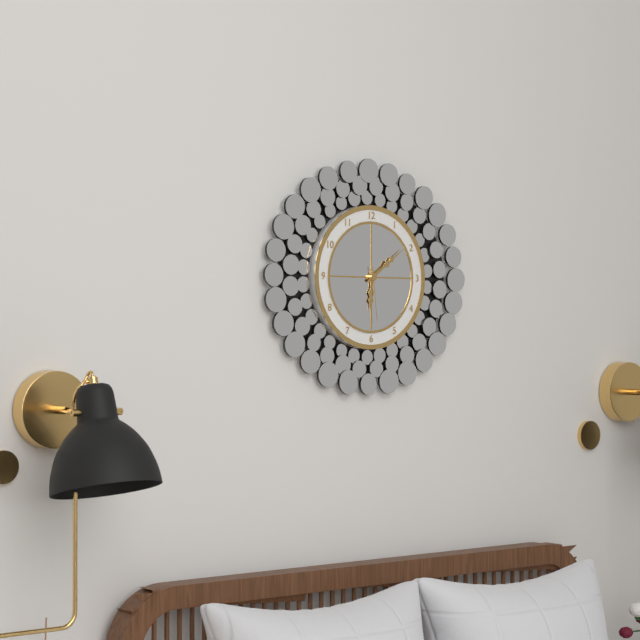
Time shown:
{"hour": 6, "minute": 9, "second": 29}
